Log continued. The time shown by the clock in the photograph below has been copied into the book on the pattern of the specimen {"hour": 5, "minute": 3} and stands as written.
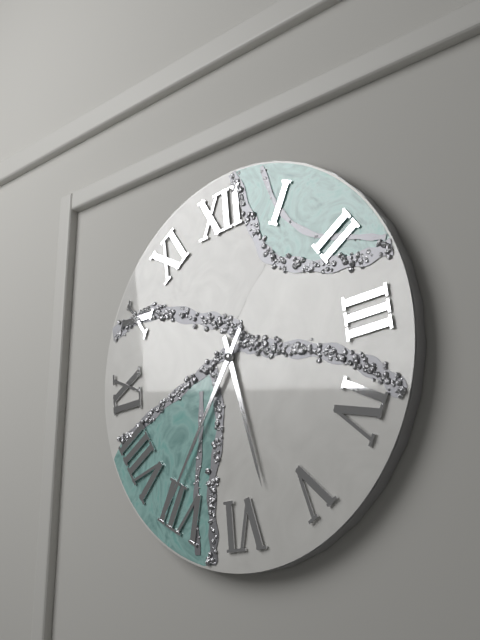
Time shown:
{"hour": 5, "minute": 36}
